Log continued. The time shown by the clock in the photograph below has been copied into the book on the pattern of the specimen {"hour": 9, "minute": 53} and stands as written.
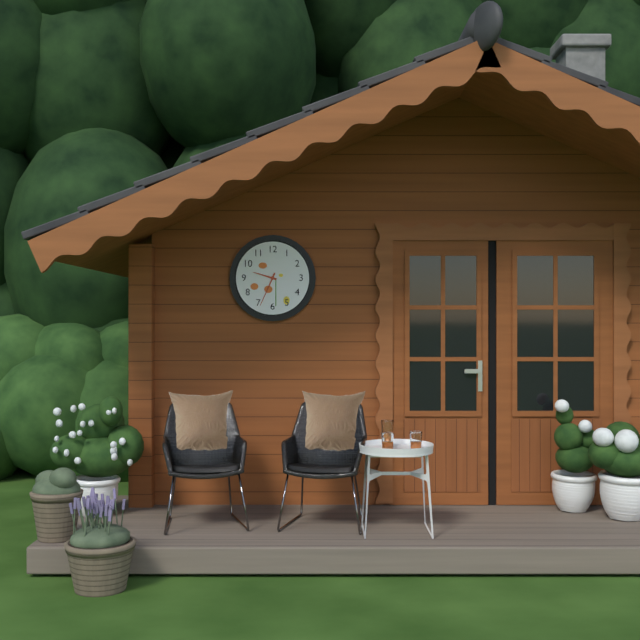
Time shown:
{"hour": 9, "minute": 34}
